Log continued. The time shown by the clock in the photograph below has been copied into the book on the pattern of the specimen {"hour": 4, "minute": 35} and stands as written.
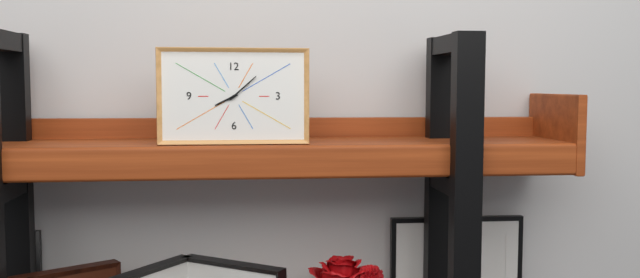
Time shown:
{"hour": 8, "minute": 8}
